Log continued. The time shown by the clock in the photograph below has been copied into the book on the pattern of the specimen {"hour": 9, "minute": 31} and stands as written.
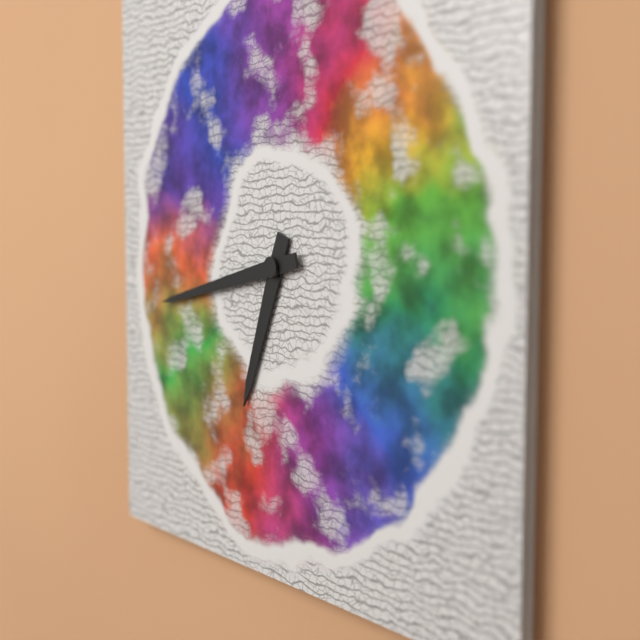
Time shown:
{"hour": 6, "minute": 43}
